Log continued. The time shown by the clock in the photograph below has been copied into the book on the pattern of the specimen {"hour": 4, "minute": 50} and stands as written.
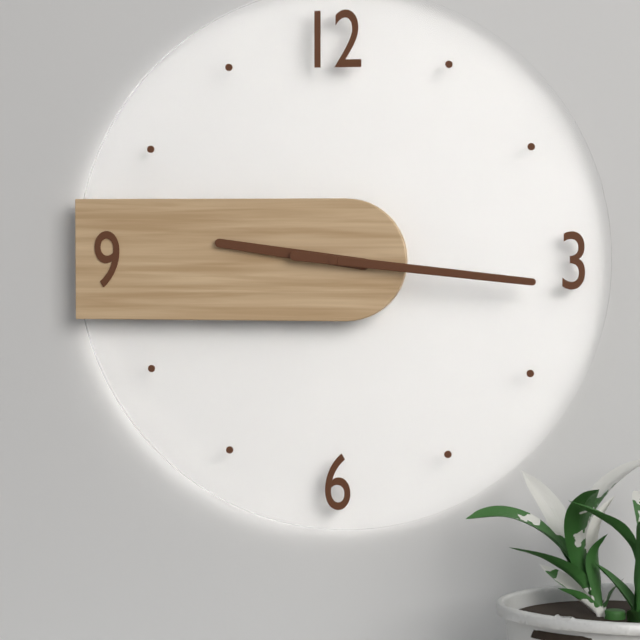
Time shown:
{"hour": 9, "minute": 16}
